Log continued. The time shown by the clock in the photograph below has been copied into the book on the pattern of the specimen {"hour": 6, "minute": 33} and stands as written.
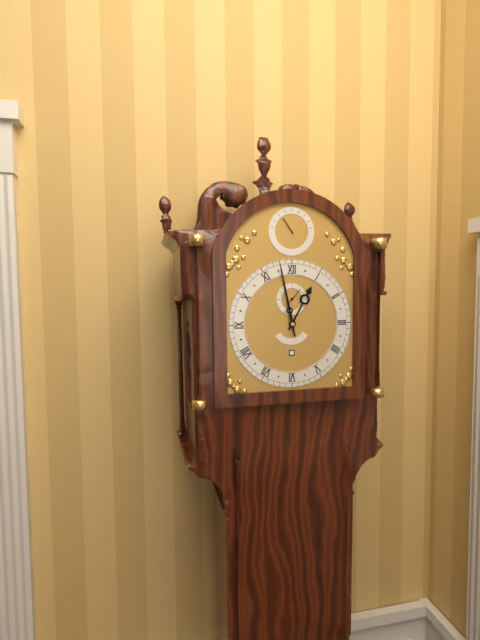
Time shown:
{"hour": 12, "minute": 58}
